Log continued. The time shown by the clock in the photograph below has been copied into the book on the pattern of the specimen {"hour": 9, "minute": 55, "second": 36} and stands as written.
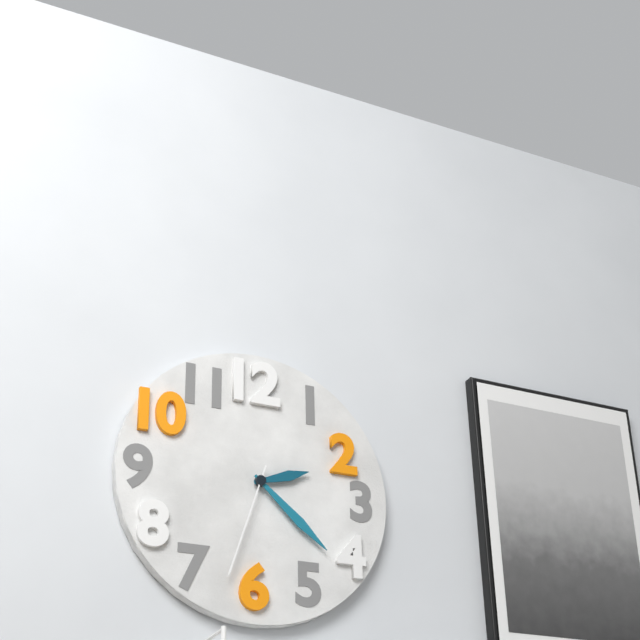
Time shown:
{"hour": 2, "minute": 22, "second": 33}
